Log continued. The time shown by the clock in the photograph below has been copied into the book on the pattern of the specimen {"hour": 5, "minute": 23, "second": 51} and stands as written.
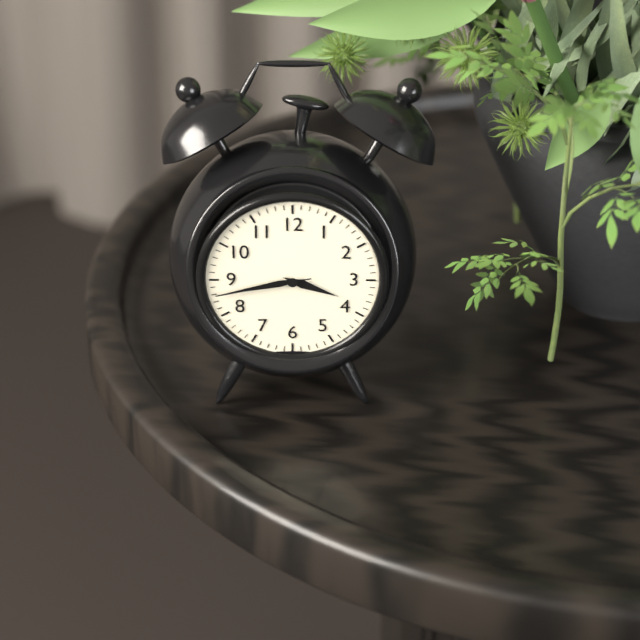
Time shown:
{"hour": 3, "minute": 43, "second": 43}
